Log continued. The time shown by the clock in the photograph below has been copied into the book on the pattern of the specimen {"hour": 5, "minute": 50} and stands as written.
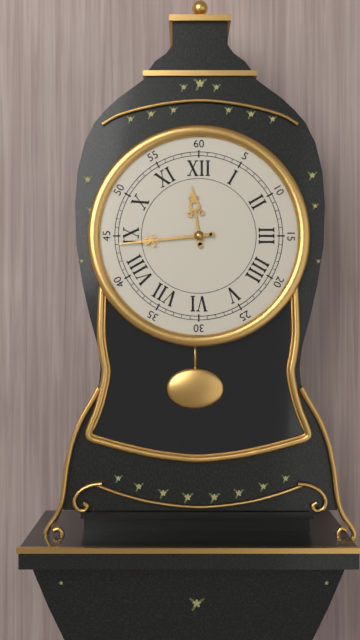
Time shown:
{"hour": 11, "minute": 44}
